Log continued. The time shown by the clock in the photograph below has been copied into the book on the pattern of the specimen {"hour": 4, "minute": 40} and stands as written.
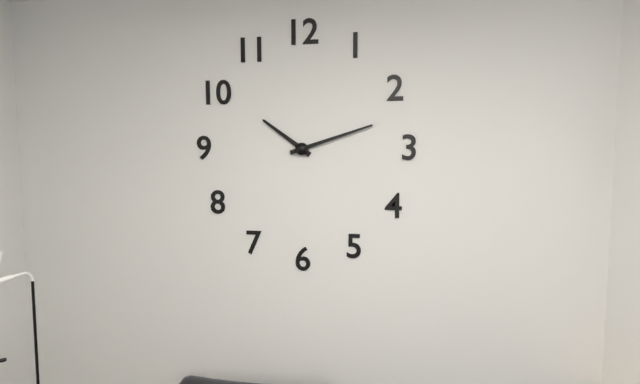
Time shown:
{"hour": 10, "minute": 12}
